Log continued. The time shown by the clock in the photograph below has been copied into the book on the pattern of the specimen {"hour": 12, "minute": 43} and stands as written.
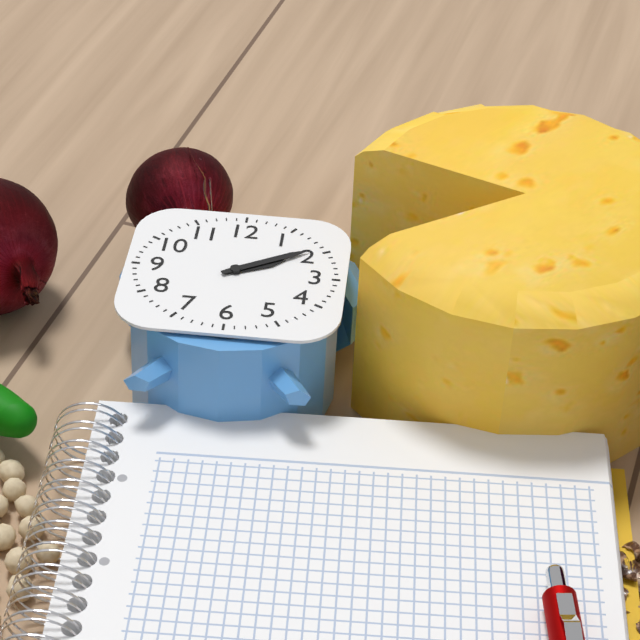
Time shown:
{"hour": 2, "minute": 10}
